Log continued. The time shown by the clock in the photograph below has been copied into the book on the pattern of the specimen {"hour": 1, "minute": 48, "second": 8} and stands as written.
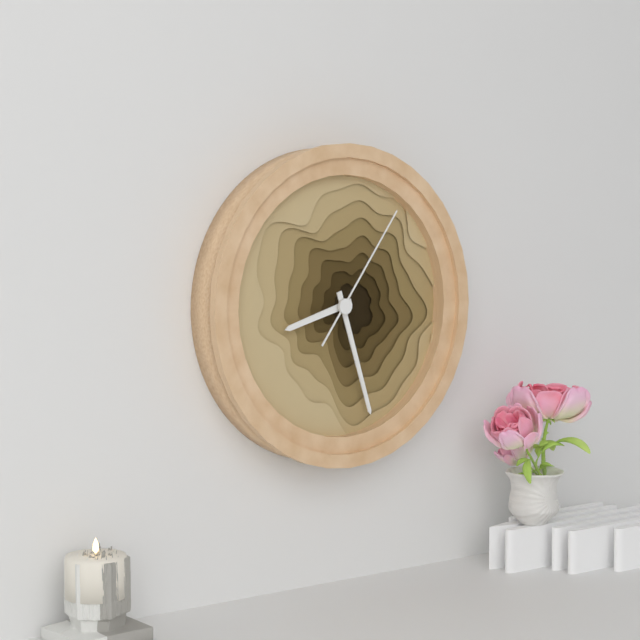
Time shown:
{"hour": 8, "minute": 27, "second": 6}
